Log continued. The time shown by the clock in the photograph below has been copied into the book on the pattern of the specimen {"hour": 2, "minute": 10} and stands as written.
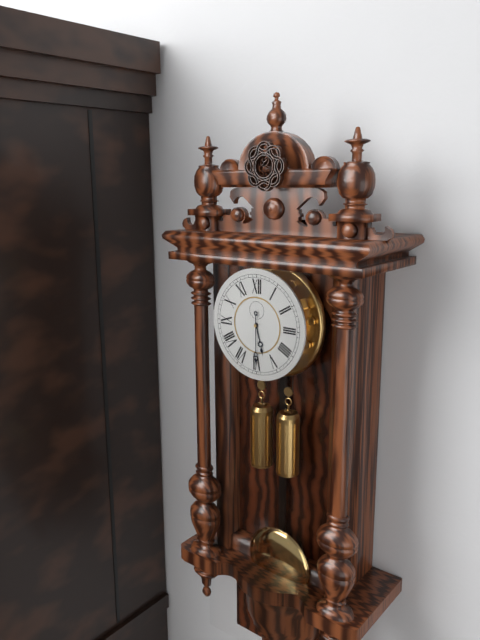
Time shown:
{"hour": 5, "minute": 30}
